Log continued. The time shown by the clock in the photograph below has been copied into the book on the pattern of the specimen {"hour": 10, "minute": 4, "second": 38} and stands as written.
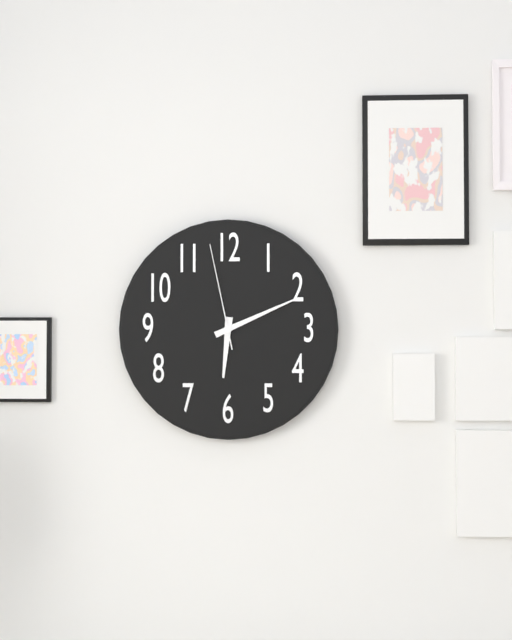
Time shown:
{"hour": 6, "minute": 11, "second": 58}
